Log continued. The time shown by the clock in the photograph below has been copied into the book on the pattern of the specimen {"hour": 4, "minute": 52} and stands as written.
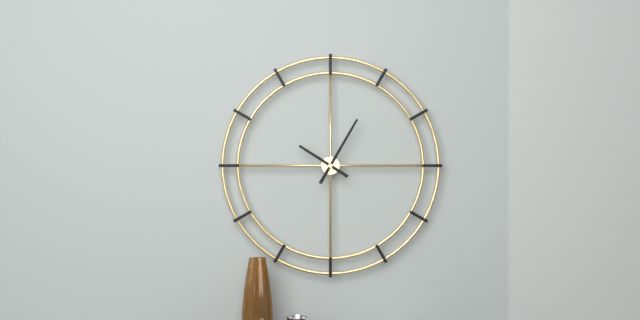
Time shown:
{"hour": 10, "minute": 5}
